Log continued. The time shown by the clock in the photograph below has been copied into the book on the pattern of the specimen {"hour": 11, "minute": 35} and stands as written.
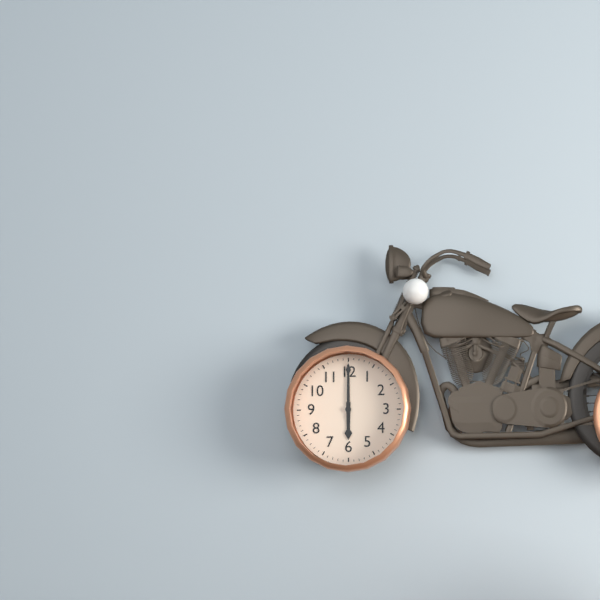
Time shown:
{"hour": 6, "minute": 0}
